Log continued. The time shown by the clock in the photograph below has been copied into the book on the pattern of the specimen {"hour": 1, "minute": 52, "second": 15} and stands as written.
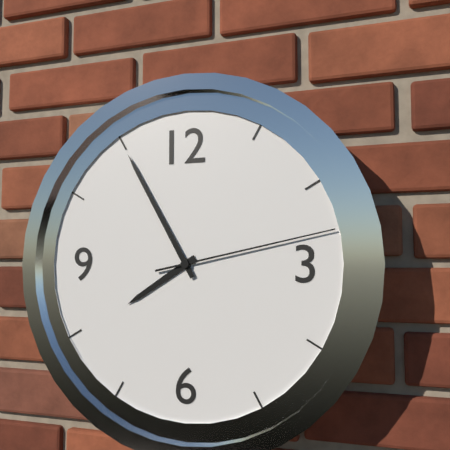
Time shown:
{"hour": 7, "minute": 55, "second": 13}
